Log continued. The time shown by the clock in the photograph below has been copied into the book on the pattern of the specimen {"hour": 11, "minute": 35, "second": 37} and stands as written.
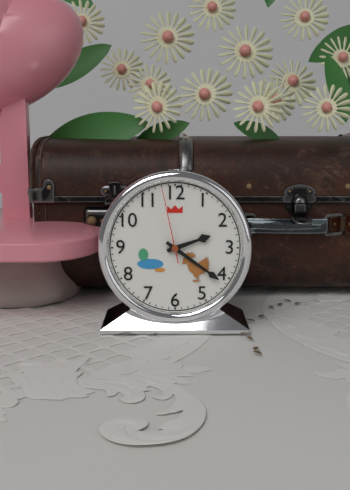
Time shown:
{"hour": 2, "minute": 21, "second": 58}
